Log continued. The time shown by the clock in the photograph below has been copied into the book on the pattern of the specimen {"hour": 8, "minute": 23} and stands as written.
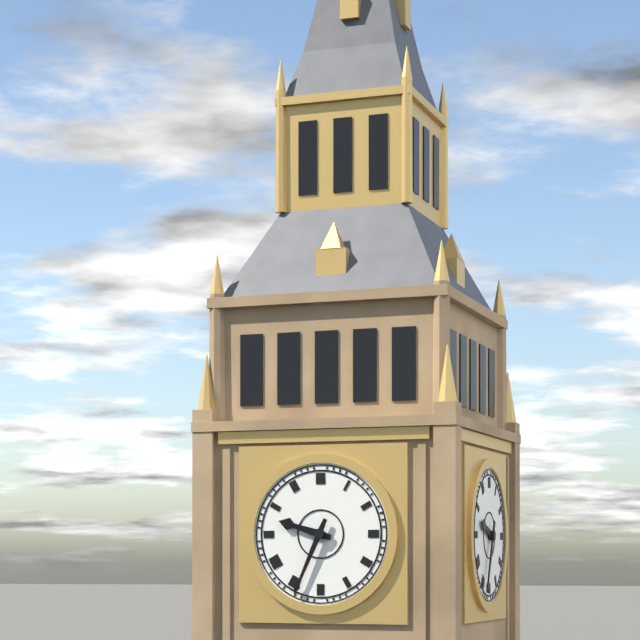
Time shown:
{"hour": 9, "minute": 34}
